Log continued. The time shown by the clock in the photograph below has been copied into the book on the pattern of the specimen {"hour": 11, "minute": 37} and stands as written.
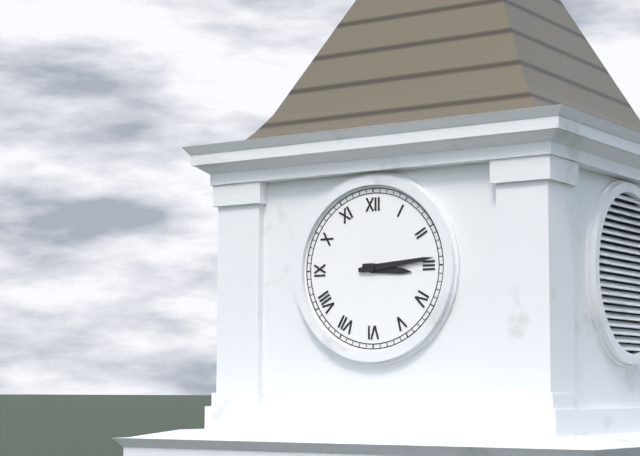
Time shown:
{"hour": 3, "minute": 14}
